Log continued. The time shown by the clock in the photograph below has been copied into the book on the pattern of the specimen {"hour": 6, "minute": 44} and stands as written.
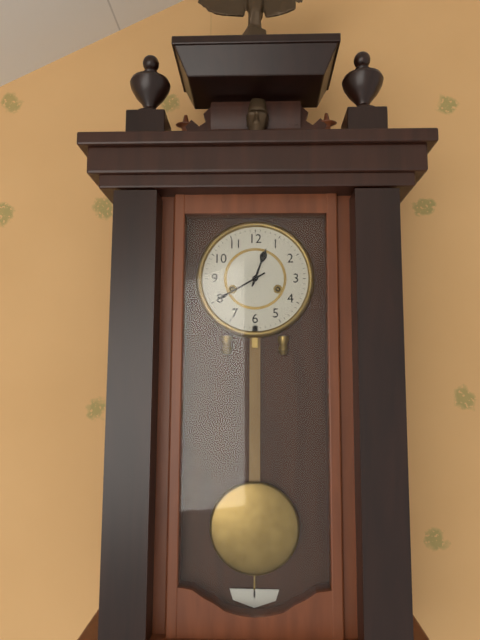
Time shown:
{"hour": 12, "minute": 40}
